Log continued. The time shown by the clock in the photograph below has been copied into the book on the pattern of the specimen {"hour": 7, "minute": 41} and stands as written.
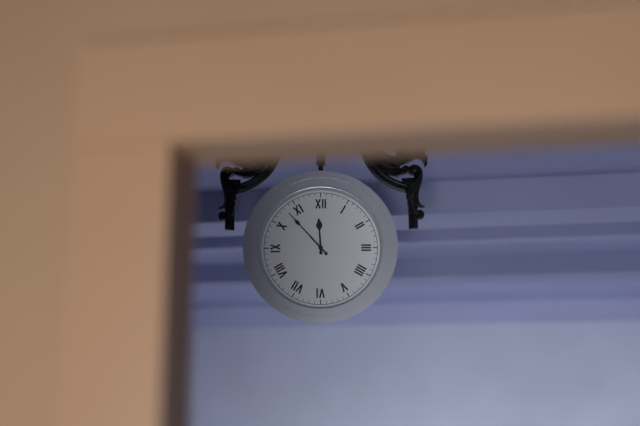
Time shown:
{"hour": 11, "minute": 53}
